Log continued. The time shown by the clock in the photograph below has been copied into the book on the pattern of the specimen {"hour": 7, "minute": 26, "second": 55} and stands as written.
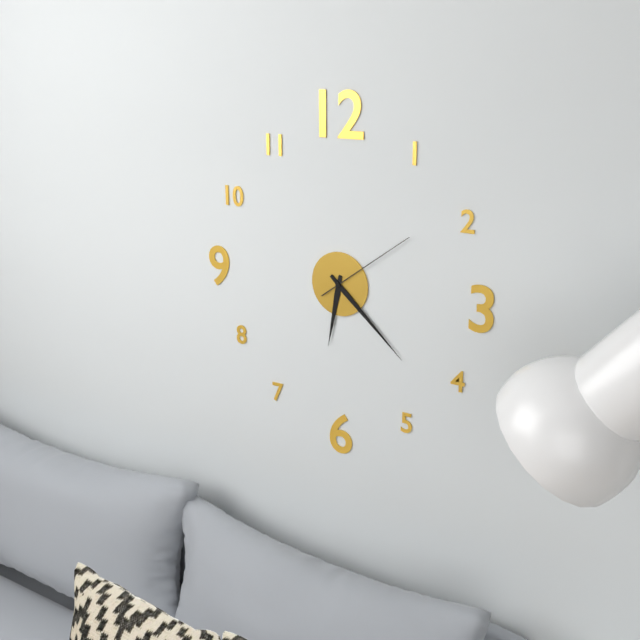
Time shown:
{"hour": 6, "minute": 22, "second": 9}
